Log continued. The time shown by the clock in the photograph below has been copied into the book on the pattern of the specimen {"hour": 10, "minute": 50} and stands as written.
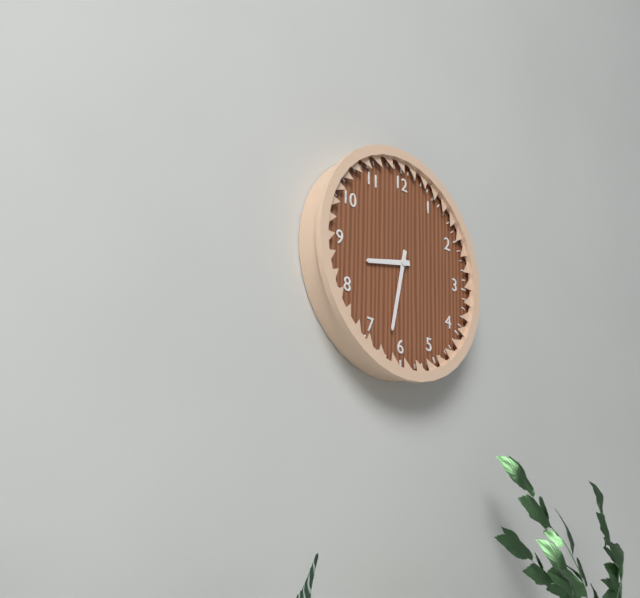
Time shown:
{"hour": 8, "minute": 32}
